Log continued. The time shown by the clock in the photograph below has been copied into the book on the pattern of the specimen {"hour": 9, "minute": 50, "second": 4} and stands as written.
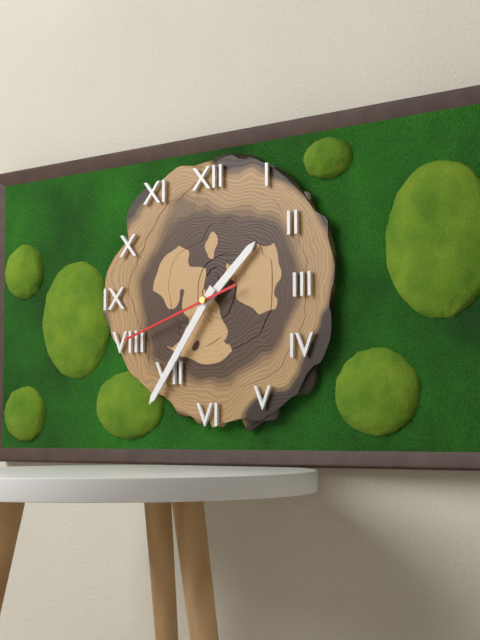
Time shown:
{"hour": 1, "minute": 36, "second": 42}
